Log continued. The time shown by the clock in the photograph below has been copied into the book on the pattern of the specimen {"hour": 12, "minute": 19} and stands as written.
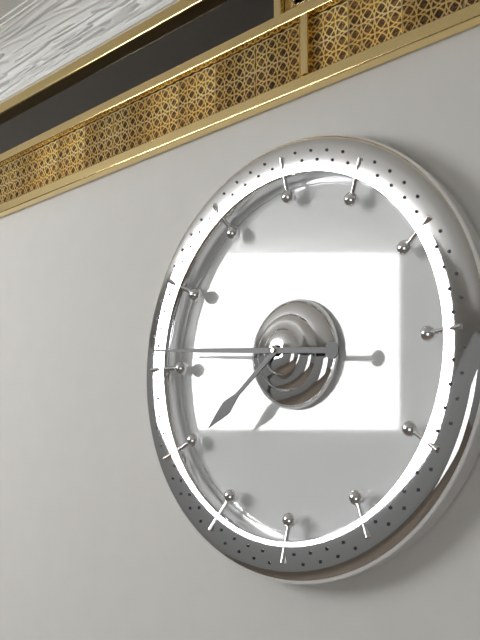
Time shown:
{"hour": 7, "minute": 46}
